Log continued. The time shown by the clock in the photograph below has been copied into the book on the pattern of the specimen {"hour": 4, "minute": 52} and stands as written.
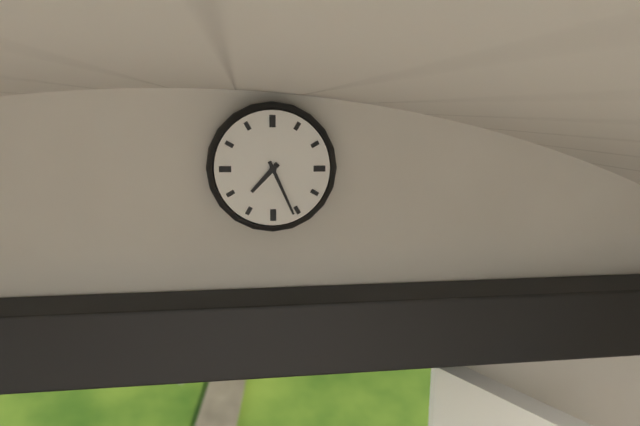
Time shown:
{"hour": 7, "minute": 26}
